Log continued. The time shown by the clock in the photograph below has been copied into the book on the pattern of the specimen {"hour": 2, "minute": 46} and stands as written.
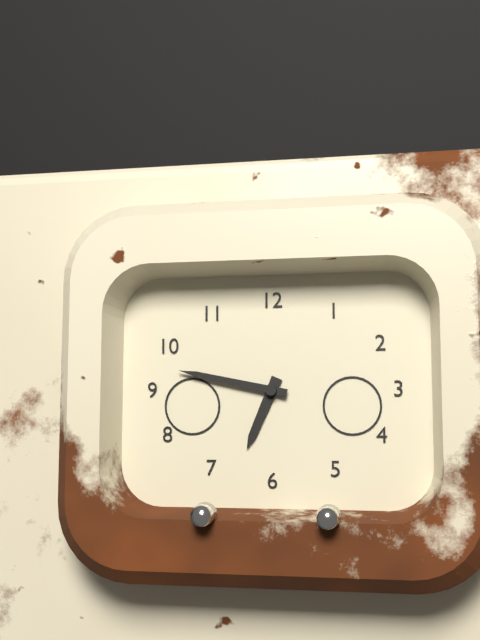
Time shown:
{"hour": 6, "minute": 47}
